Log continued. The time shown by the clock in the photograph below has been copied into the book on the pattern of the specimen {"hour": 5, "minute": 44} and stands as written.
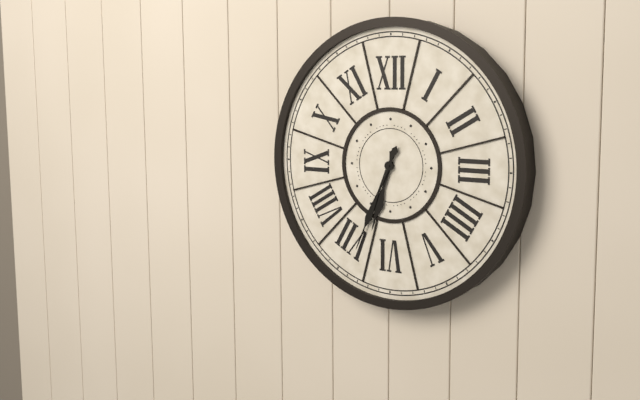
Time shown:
{"hour": 6, "minute": 34}
